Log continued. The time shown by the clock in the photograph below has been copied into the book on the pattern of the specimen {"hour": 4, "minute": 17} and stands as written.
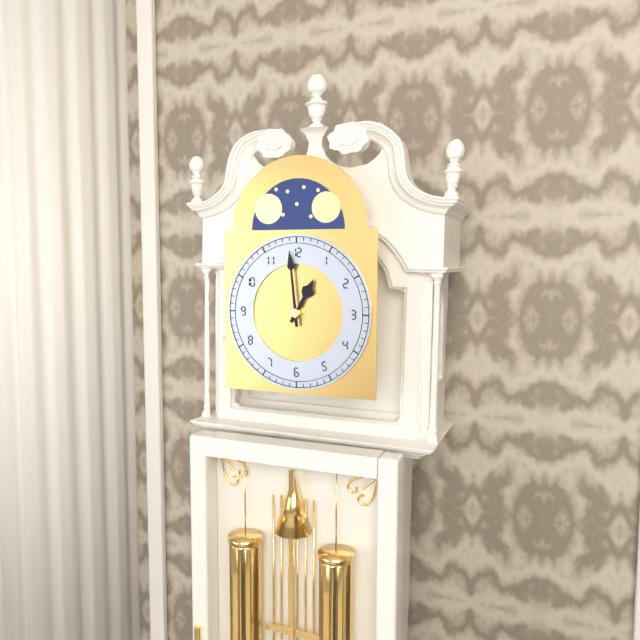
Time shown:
{"hour": 12, "minute": 59}
